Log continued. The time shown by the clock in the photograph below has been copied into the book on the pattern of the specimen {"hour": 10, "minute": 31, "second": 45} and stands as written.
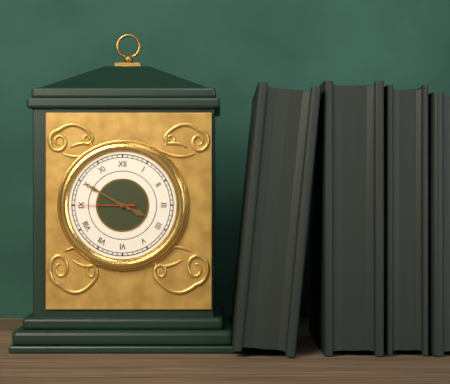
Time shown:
{"hour": 3, "minute": 50, "second": 45}
